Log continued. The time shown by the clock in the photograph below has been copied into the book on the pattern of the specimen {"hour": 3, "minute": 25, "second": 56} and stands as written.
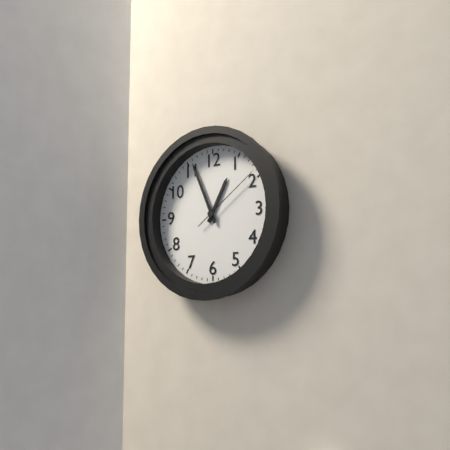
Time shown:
{"hour": 12, "minute": 56, "second": 9}
